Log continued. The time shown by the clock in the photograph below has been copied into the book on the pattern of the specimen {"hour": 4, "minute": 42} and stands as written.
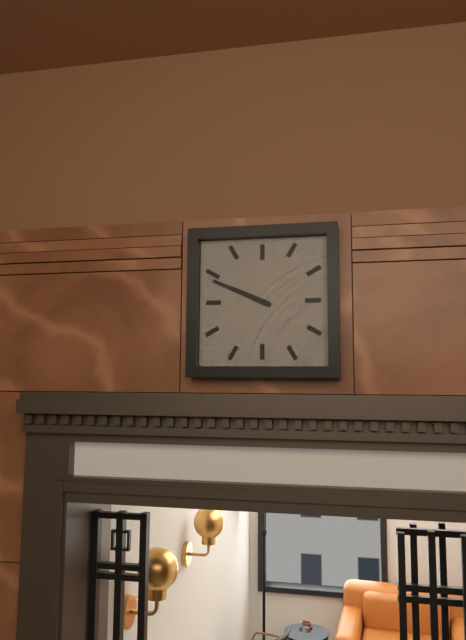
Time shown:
{"hour": 9, "minute": 49}
